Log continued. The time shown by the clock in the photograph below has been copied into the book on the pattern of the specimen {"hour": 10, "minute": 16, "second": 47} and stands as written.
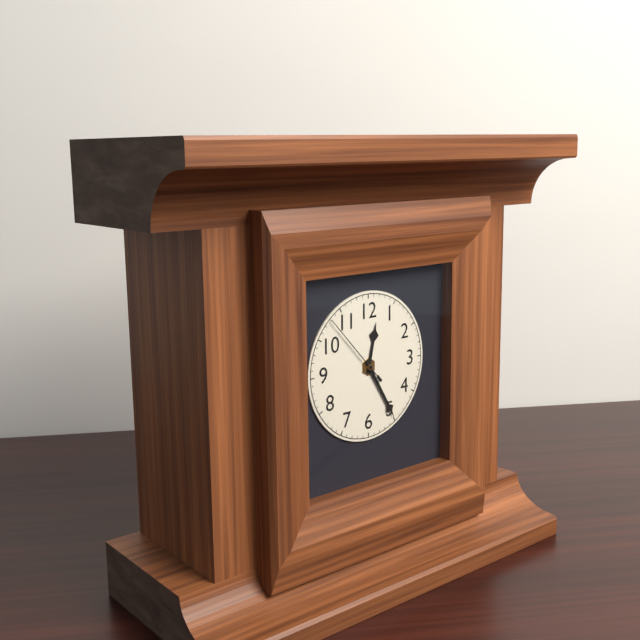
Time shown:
{"hour": 12, "minute": 25, "second": 53}
